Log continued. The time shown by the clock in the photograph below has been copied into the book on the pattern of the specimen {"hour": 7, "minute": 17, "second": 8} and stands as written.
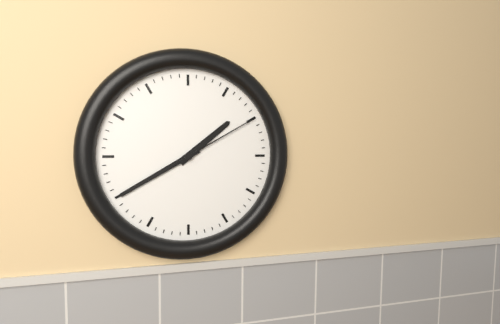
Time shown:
{"hour": 1, "minute": 40, "second": 10}
